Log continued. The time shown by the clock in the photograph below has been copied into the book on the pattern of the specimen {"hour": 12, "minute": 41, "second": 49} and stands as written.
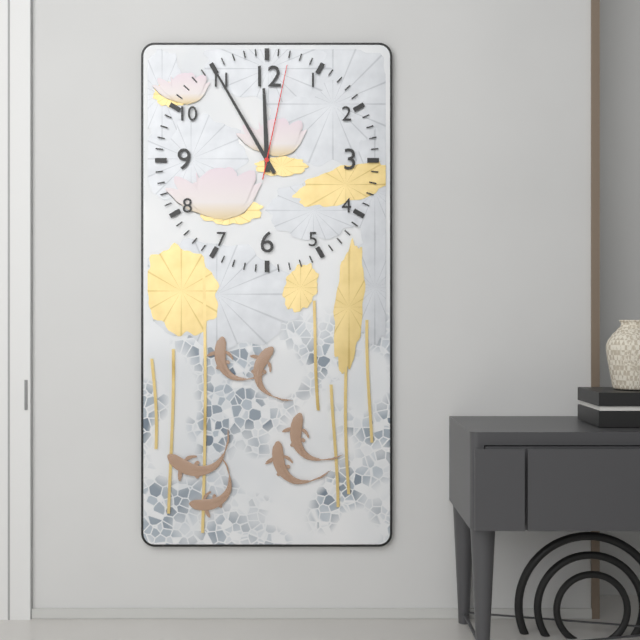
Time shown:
{"hour": 11, "minute": 55, "second": 2}
